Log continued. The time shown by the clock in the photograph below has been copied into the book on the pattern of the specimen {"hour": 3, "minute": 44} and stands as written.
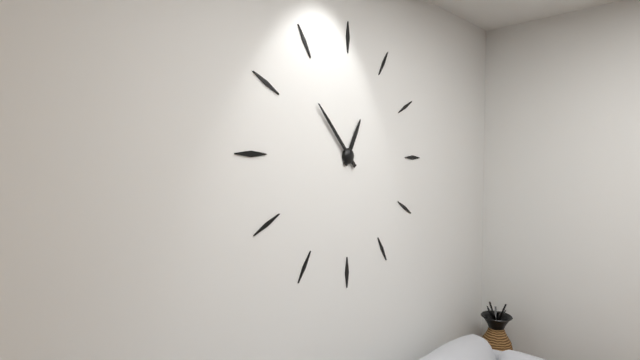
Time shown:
{"hour": 12, "minute": 53}
